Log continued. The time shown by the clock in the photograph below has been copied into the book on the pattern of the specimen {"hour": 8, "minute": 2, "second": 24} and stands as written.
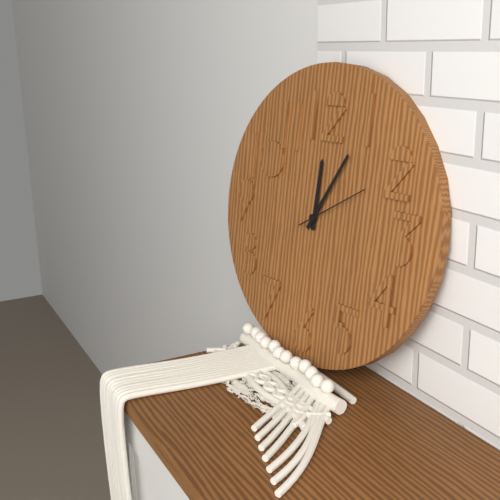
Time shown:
{"hour": 12, "minute": 5, "second": 10}
